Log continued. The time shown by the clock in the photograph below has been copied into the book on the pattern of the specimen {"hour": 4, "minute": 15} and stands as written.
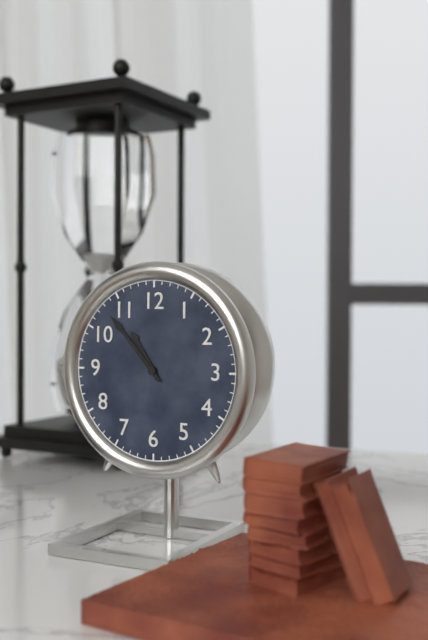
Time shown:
{"hour": 10, "minute": 53}
